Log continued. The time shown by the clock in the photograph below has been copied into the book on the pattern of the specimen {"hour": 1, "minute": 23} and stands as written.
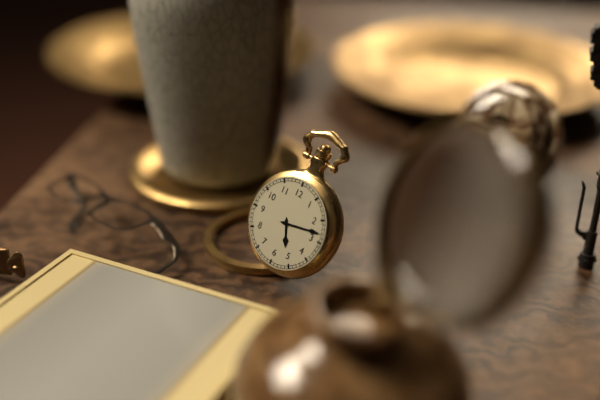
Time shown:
{"hour": 5, "minute": 13}
